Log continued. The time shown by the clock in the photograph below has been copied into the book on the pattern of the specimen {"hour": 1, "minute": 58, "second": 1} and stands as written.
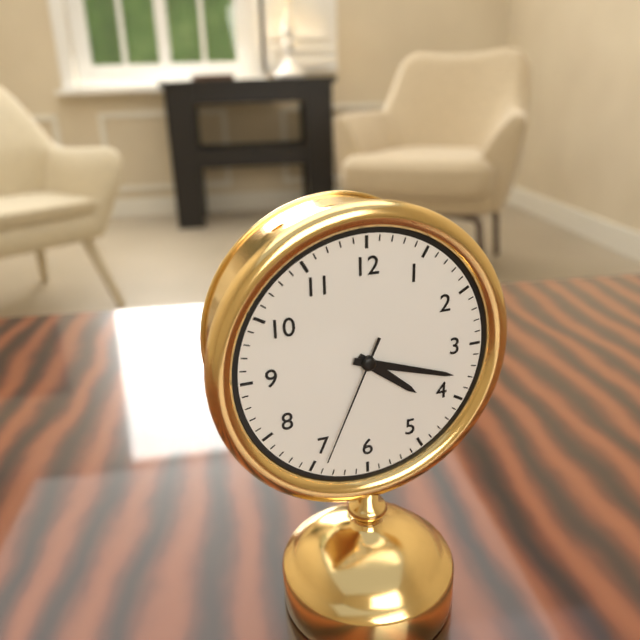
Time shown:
{"hour": 4, "minute": 18, "second": 34}
